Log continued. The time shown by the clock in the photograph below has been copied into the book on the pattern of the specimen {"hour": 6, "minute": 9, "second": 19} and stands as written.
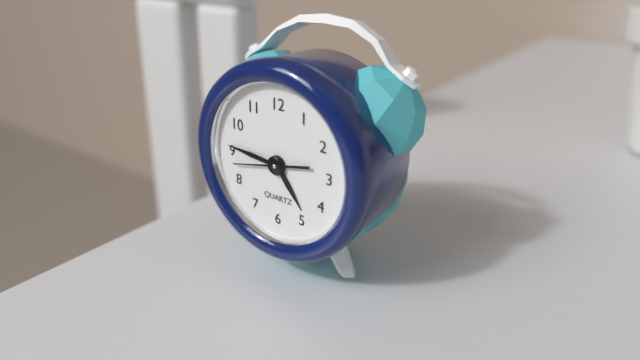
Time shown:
{"hour": 4, "minute": 46, "second": 43}
